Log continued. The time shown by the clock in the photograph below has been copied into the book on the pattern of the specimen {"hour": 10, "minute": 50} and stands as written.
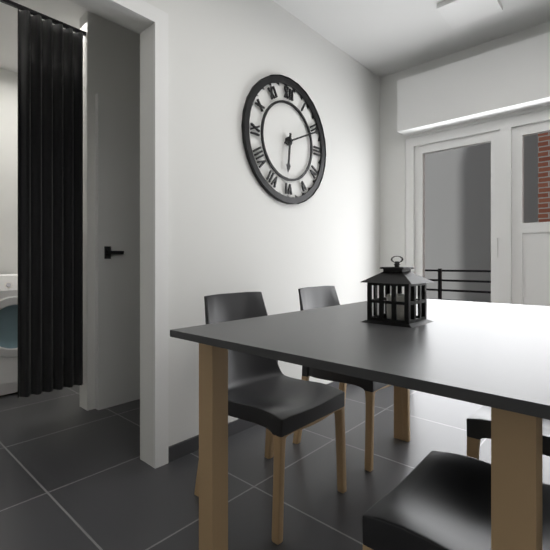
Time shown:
{"hour": 6, "minute": 11}
